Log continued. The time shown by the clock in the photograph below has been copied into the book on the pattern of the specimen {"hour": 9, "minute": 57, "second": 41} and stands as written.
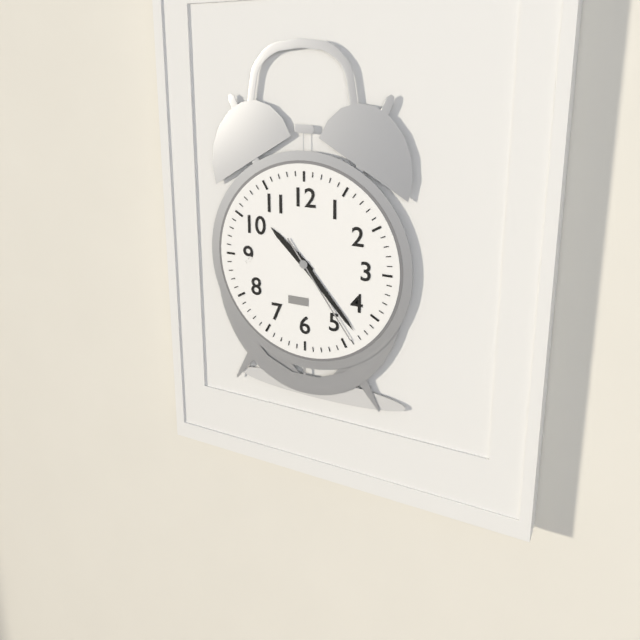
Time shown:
{"hour": 10, "minute": 23, "second": 24}
